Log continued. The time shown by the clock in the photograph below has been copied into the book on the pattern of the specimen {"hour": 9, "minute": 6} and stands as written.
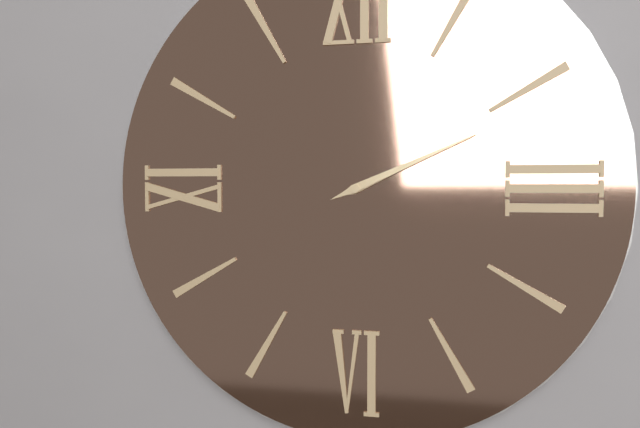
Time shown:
{"hour": 2, "minute": 11}
